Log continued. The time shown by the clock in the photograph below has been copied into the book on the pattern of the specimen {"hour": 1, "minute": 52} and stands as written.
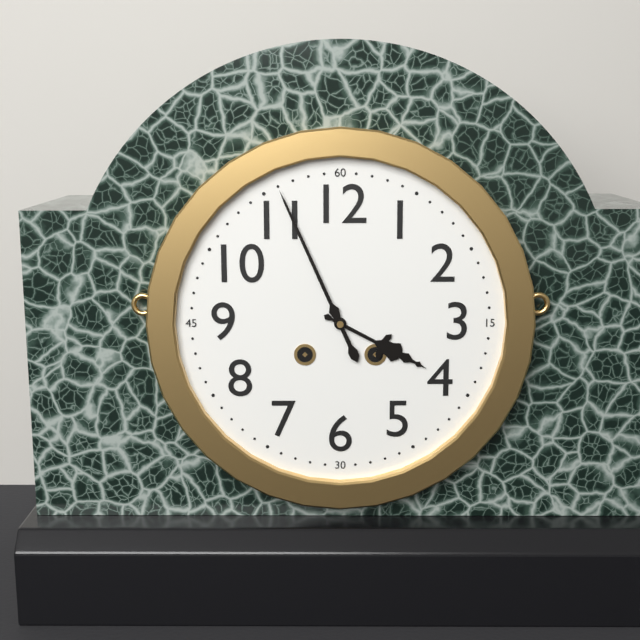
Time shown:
{"hour": 3, "minute": 56}
